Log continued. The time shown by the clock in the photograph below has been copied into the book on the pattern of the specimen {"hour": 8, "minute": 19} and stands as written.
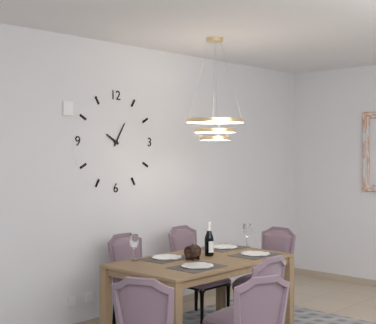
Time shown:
{"hour": 10, "minute": 5}
